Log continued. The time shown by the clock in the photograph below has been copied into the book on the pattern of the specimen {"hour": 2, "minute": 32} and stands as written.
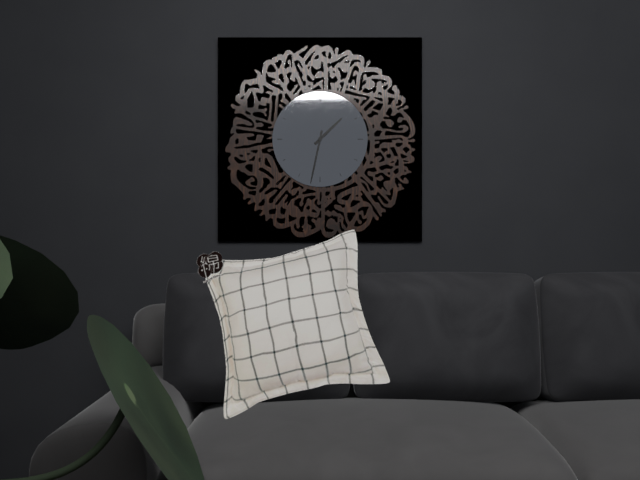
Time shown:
{"hour": 1, "minute": 32}
